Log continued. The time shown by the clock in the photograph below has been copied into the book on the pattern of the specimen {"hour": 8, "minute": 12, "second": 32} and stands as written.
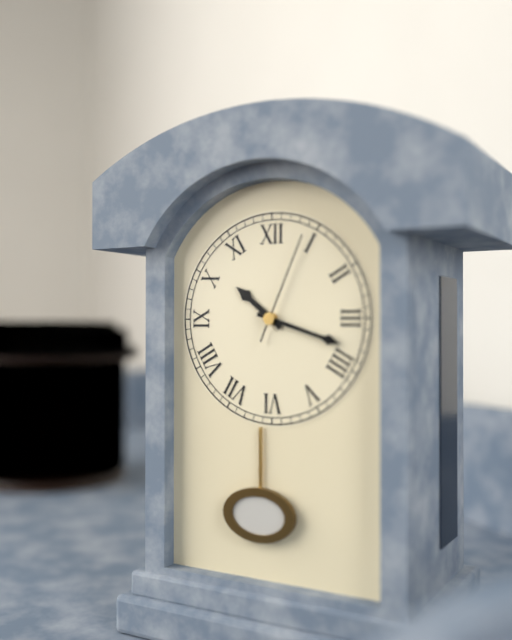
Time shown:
{"hour": 10, "minute": 18, "second": 4}
